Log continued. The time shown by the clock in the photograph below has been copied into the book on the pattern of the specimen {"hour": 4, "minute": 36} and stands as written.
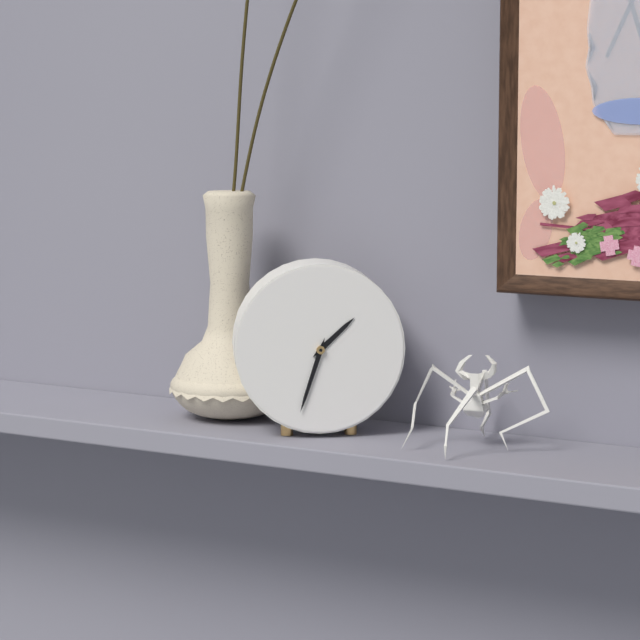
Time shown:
{"hour": 1, "minute": 33}
